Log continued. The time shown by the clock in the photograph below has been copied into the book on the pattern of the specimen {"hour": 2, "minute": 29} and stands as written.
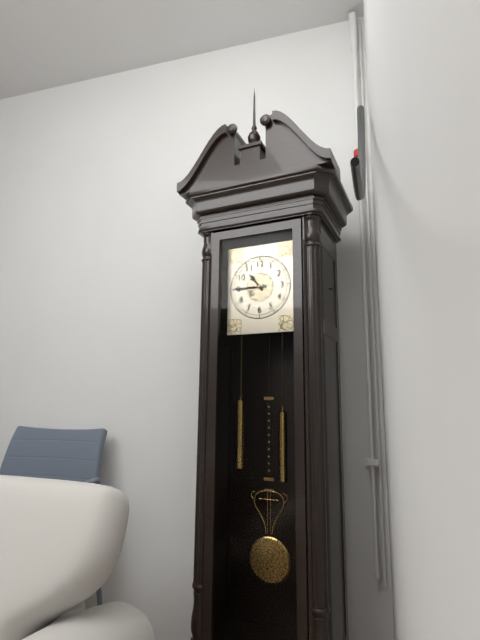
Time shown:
{"hour": 10, "minute": 45}
